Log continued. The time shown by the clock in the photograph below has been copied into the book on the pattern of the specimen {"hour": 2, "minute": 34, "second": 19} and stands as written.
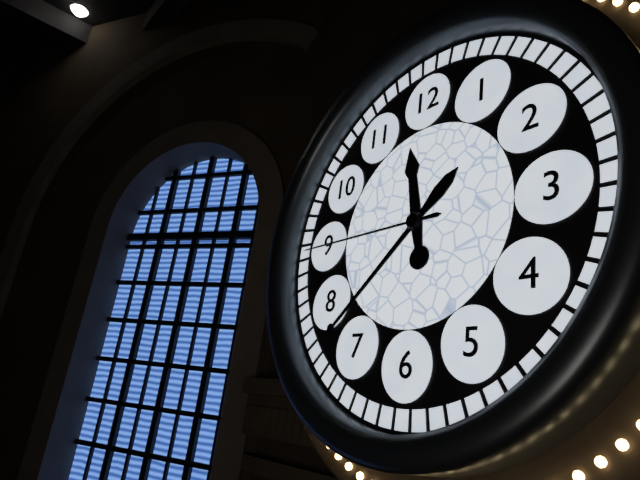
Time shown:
{"hour": 11, "minute": 38, "second": 45}
